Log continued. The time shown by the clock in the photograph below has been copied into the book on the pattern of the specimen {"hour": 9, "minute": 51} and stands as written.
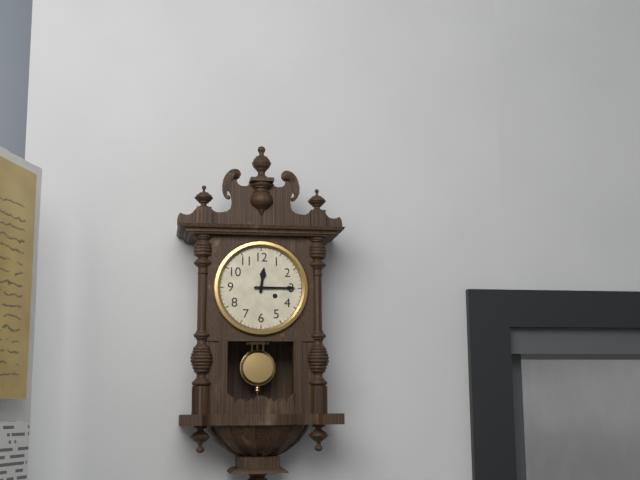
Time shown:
{"hour": 12, "minute": 15}
